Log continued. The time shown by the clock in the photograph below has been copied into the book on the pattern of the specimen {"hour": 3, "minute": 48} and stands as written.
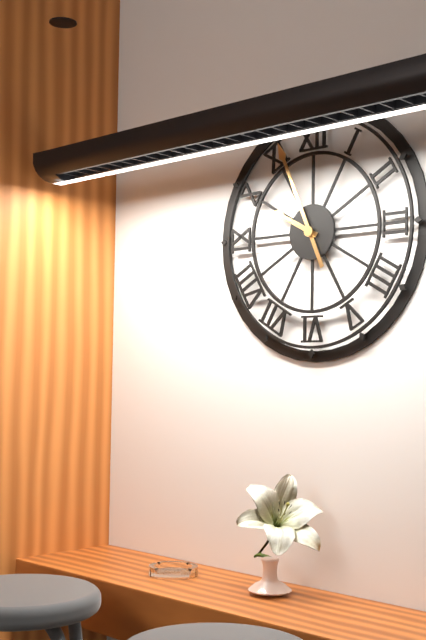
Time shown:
{"hour": 9, "minute": 56}
